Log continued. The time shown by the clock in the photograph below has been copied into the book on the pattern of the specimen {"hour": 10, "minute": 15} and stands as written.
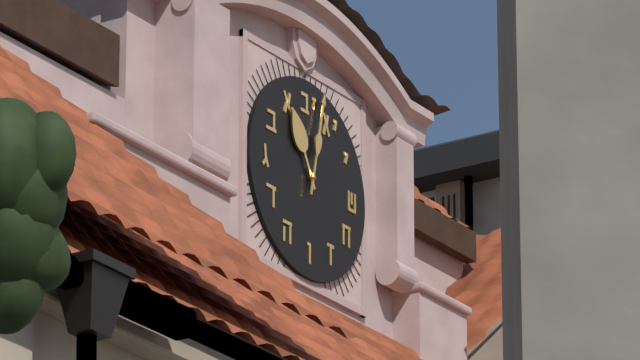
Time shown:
{"hour": 11, "minute": 2}
